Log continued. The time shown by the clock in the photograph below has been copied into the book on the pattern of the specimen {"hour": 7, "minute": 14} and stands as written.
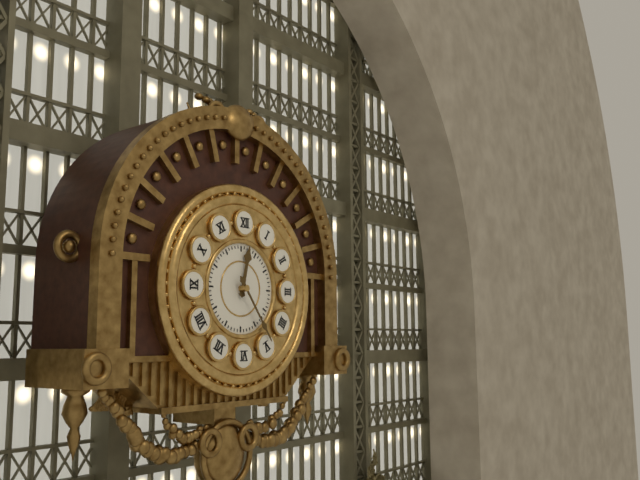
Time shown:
{"hour": 12, "minute": 24}
